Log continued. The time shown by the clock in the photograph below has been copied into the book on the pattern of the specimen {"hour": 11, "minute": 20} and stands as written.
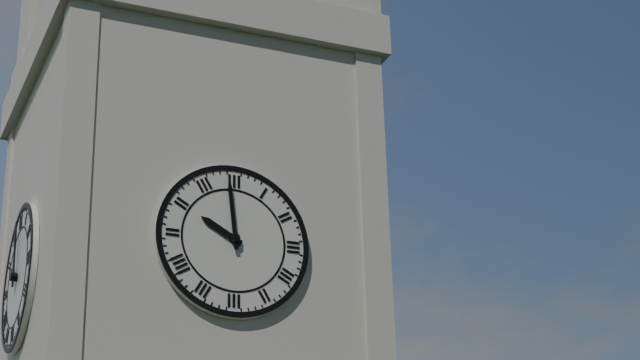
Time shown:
{"hour": 9, "minute": 59}
